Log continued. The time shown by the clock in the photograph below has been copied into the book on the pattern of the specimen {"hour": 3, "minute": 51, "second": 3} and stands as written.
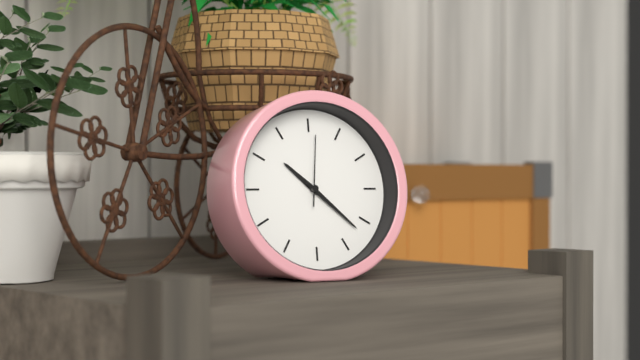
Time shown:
{"hour": 10, "minute": 22, "second": 1}
